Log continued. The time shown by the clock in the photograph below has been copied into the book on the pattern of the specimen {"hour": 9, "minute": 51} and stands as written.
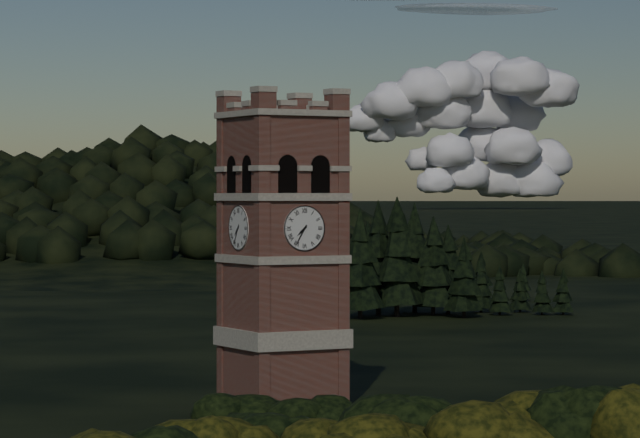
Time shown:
{"hour": 7, "minute": 35}
